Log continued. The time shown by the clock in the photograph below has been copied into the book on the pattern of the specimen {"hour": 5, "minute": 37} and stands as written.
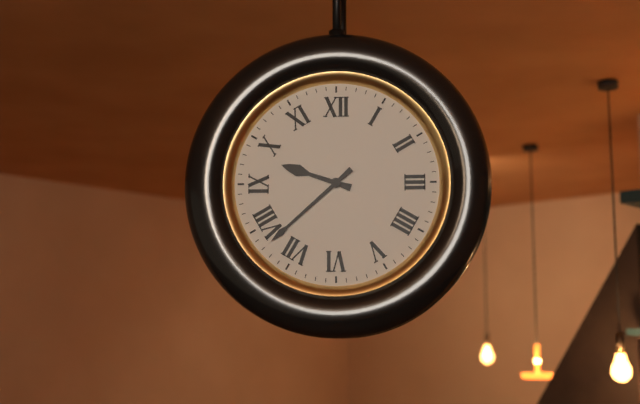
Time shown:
{"hour": 9, "minute": 38}
